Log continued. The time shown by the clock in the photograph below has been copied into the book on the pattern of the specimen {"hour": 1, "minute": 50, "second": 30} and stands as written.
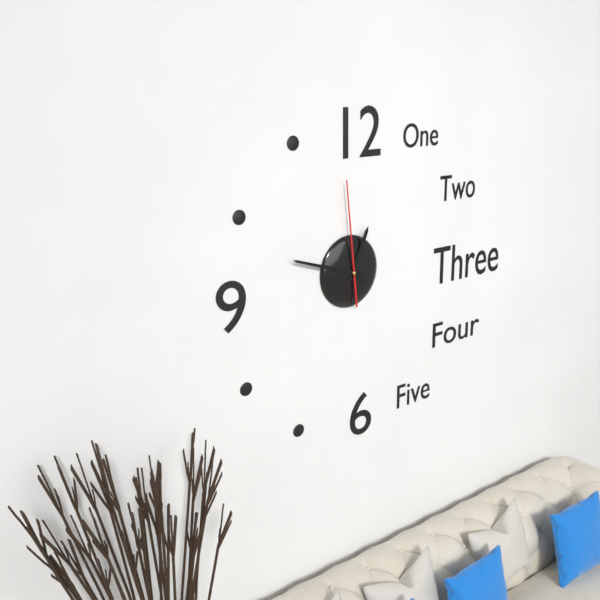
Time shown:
{"hour": 12, "minute": 48, "second": 59}
